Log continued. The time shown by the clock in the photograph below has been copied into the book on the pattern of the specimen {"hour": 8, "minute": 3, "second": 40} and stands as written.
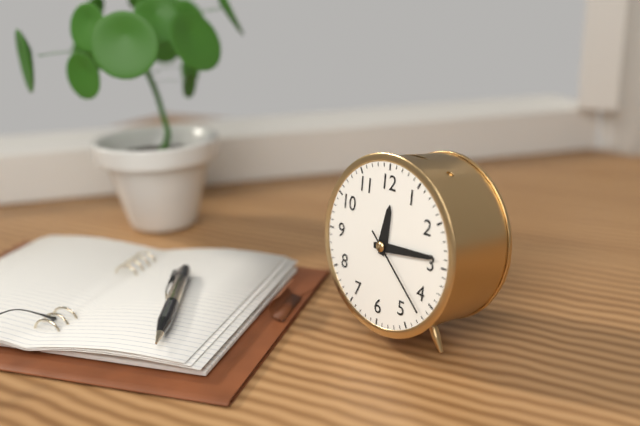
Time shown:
{"hour": 12, "minute": 14, "second": 22}
